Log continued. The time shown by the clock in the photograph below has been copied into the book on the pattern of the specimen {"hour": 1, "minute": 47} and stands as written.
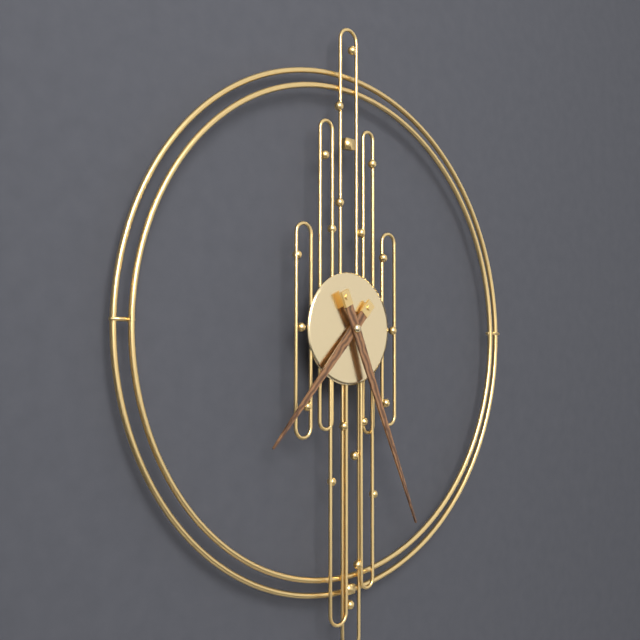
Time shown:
{"hour": 7, "minute": 26}
